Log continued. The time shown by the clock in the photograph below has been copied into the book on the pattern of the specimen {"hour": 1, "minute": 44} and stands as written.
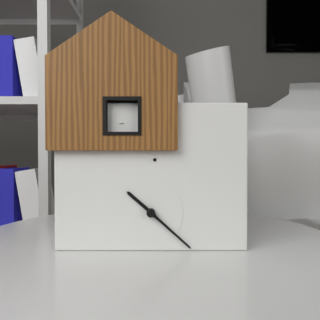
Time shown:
{"hour": 10, "minute": 22}
